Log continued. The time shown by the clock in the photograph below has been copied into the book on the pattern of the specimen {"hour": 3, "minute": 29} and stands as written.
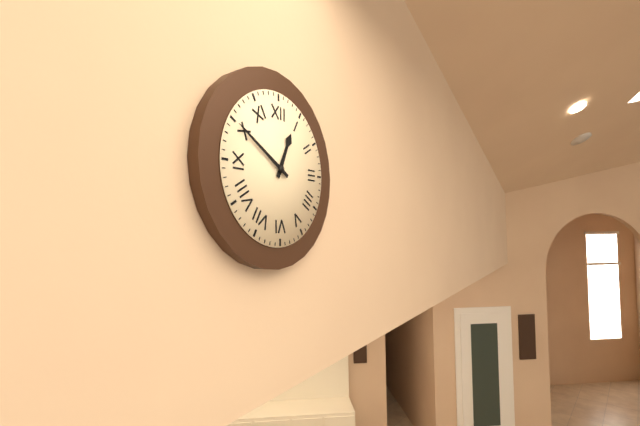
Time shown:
{"hour": 12, "minute": 50}
